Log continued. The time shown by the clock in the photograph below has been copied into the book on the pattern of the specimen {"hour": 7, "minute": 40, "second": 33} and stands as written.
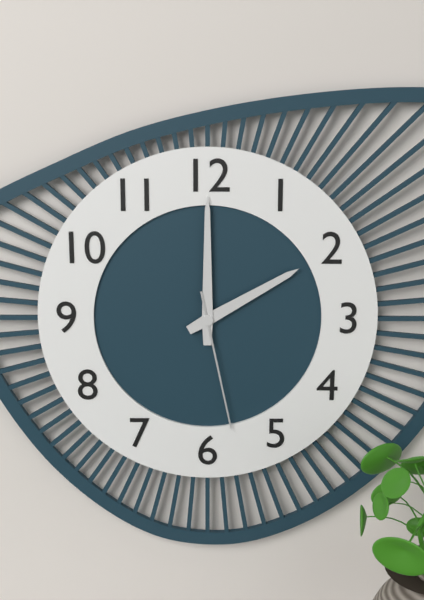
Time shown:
{"hour": 2, "minute": 0, "second": 28}
